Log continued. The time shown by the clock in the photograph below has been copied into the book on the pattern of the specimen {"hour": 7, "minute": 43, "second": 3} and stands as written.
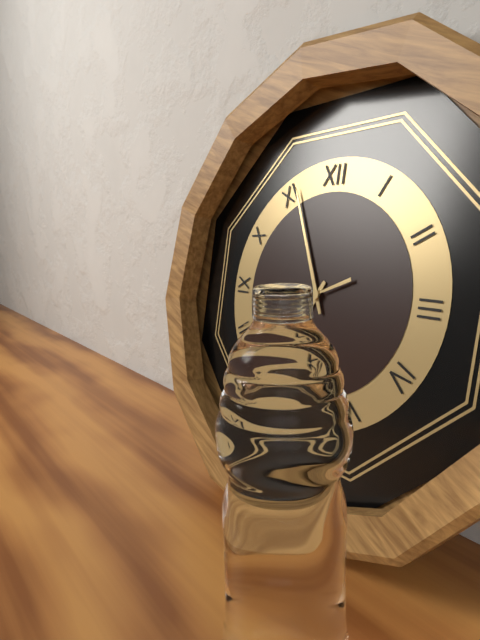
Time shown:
{"hour": 6, "minute": 56, "second": 41}
